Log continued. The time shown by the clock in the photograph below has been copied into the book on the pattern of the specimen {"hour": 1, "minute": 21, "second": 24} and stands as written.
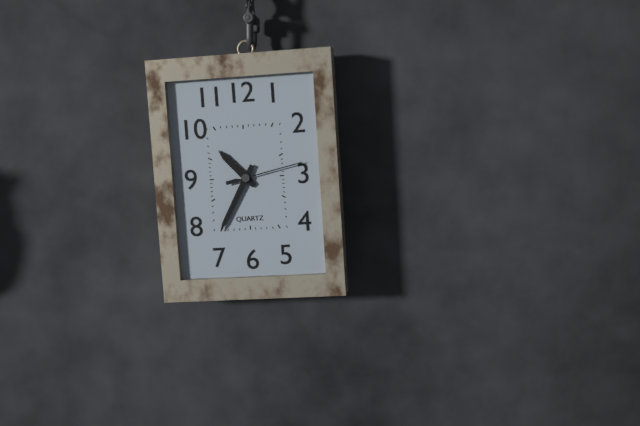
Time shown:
{"hour": 10, "minute": 35, "second": 13}
